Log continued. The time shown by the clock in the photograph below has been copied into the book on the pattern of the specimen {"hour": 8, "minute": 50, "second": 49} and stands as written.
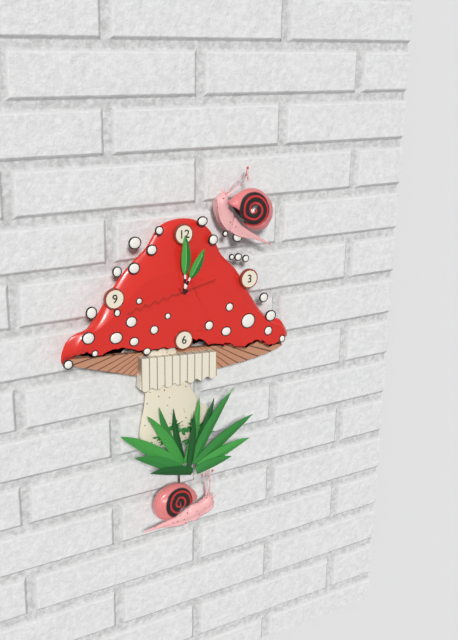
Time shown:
{"hour": 1, "minute": 0, "second": 43}
